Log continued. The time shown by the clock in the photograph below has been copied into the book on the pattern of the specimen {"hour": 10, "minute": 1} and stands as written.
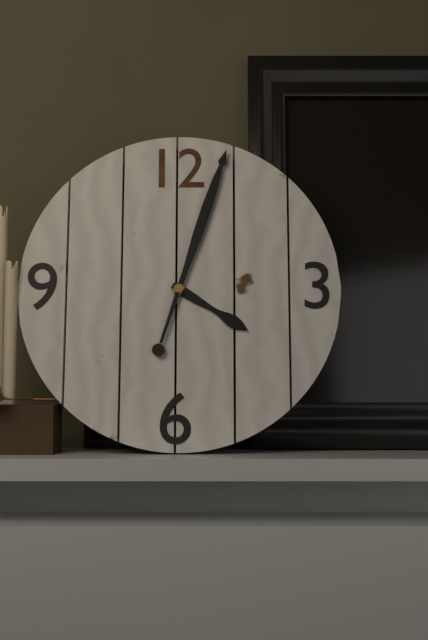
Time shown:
{"hour": 4, "minute": 3}
